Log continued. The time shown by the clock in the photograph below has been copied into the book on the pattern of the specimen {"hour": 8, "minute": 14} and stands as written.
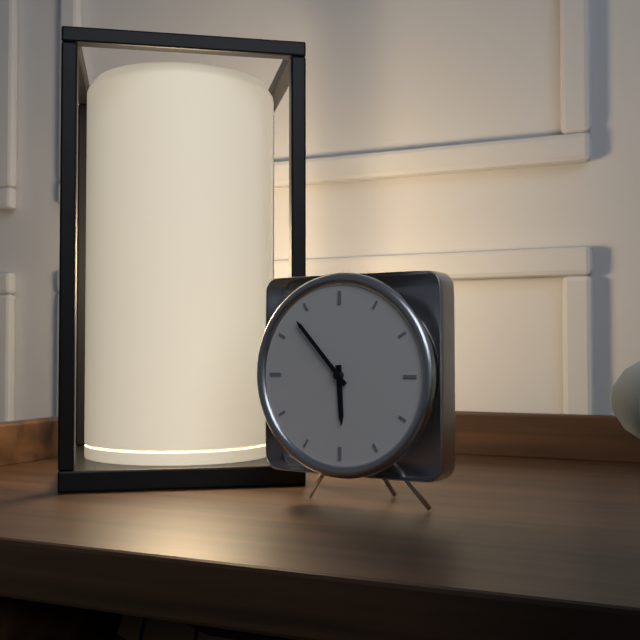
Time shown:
{"hour": 5, "minute": 53}
